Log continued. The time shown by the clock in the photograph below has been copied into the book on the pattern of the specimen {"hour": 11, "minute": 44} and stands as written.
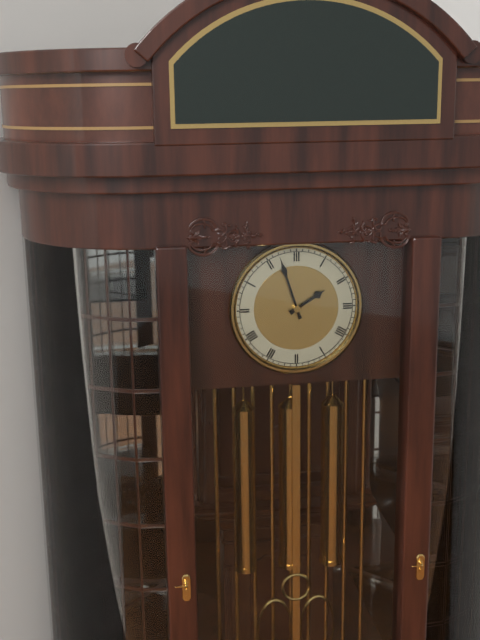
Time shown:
{"hour": 1, "minute": 57}
